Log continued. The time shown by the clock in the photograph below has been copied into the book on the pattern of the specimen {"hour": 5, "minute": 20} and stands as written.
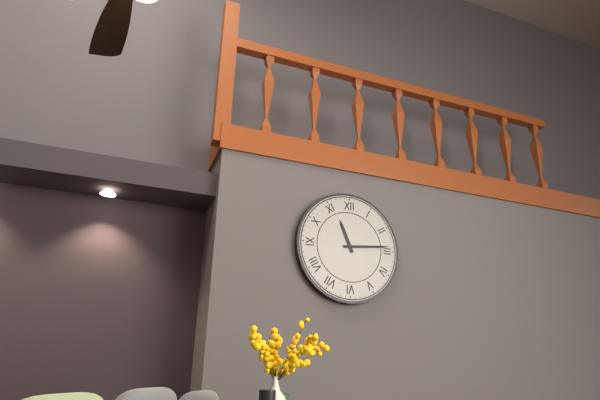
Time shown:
{"hour": 11, "minute": 14}
